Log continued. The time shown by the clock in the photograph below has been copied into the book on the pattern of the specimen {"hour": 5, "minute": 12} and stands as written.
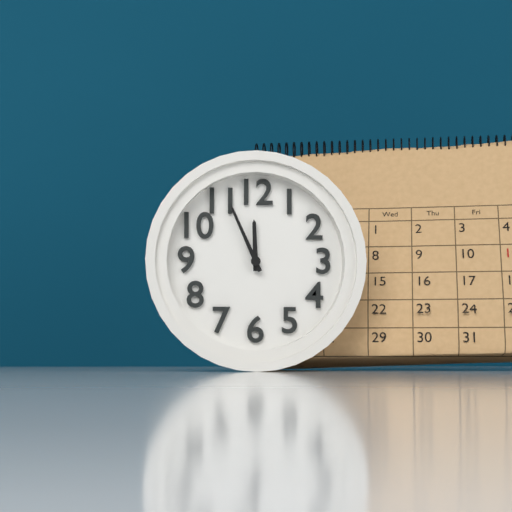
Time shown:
{"hour": 11, "minute": 56}
